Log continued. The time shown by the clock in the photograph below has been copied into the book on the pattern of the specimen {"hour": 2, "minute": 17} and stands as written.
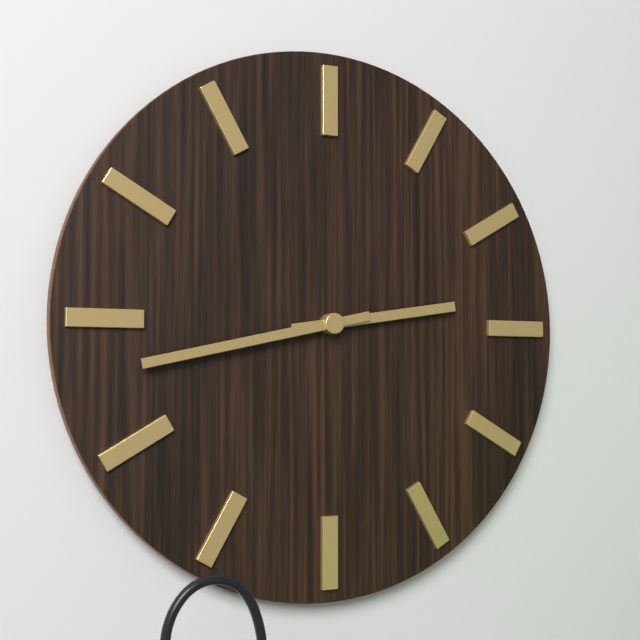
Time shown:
{"hour": 2, "minute": 43}
